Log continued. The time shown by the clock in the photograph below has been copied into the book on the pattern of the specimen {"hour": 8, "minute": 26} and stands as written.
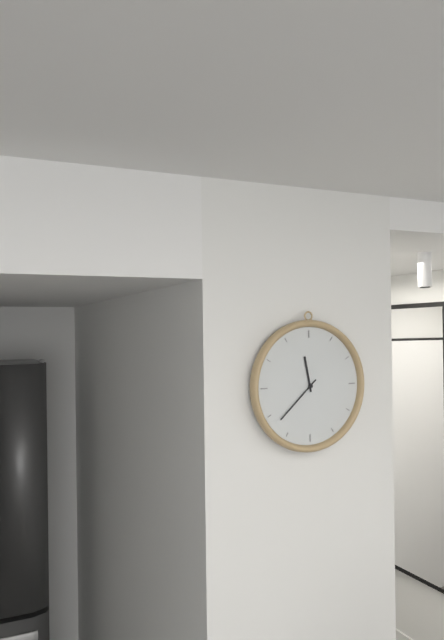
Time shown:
{"hour": 11, "minute": 38}
